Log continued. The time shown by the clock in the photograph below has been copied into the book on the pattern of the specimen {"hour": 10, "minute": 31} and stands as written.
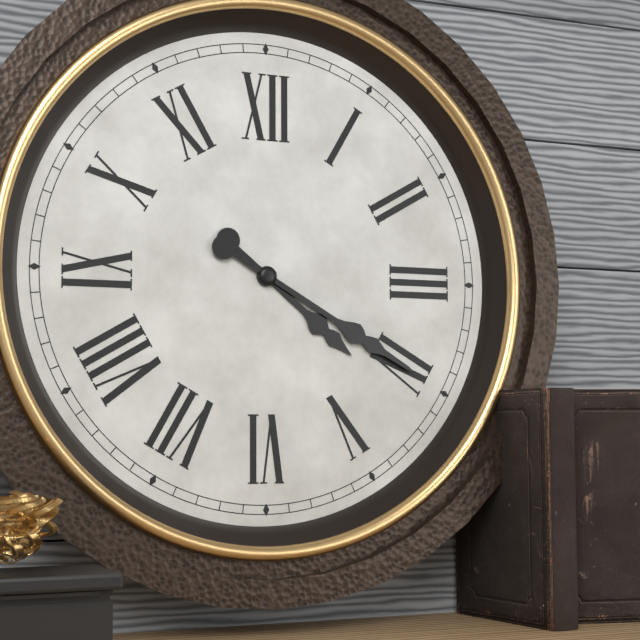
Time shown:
{"hour": 4, "minute": 20}
